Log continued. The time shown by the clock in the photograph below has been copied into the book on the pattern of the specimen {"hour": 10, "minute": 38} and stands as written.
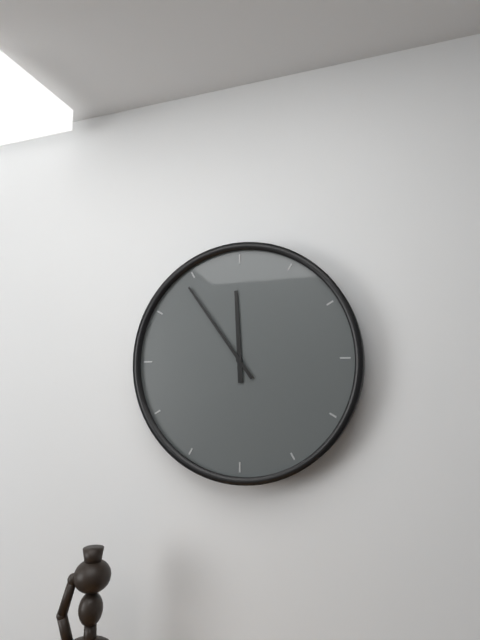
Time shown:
{"hour": 11, "minute": 54}
